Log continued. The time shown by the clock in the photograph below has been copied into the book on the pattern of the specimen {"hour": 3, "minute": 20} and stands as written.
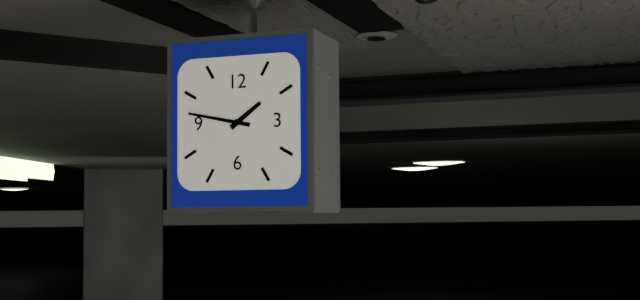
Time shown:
{"hour": 1, "minute": 47}
